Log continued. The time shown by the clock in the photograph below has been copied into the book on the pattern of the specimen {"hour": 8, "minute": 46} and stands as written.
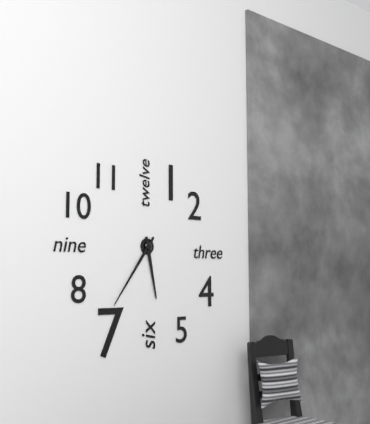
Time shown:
{"hour": 5, "minute": 36}
